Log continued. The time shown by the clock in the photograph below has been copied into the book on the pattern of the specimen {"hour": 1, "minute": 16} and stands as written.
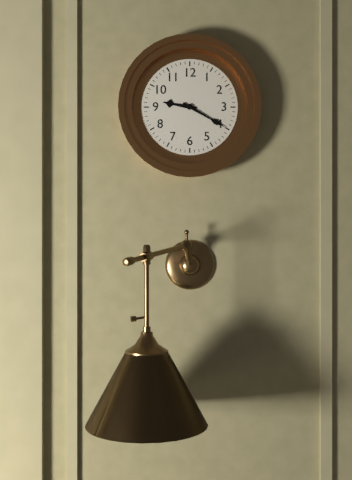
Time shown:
{"hour": 9, "minute": 20}
